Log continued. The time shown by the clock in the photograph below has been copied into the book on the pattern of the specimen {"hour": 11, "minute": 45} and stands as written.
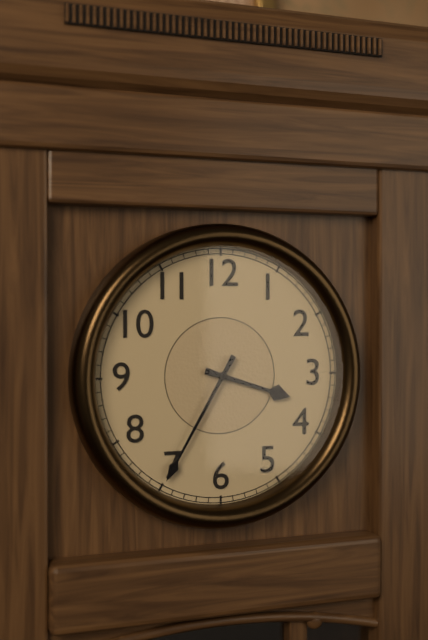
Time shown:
{"hour": 3, "minute": 35}
